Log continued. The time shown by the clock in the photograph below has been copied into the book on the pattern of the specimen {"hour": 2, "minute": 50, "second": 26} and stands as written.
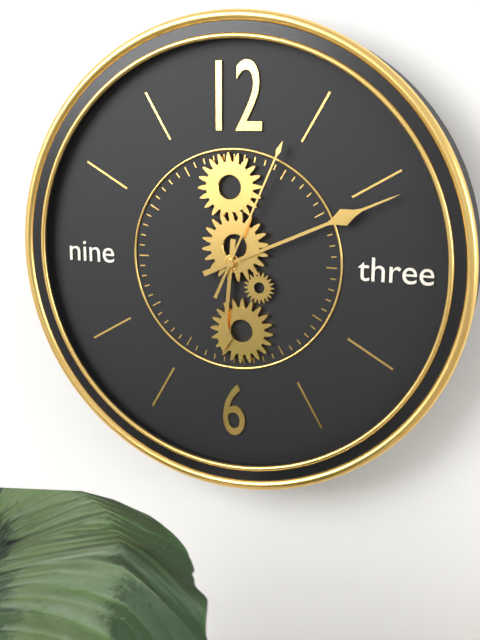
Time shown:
{"hour": 6, "minute": 11, "second": 4}
